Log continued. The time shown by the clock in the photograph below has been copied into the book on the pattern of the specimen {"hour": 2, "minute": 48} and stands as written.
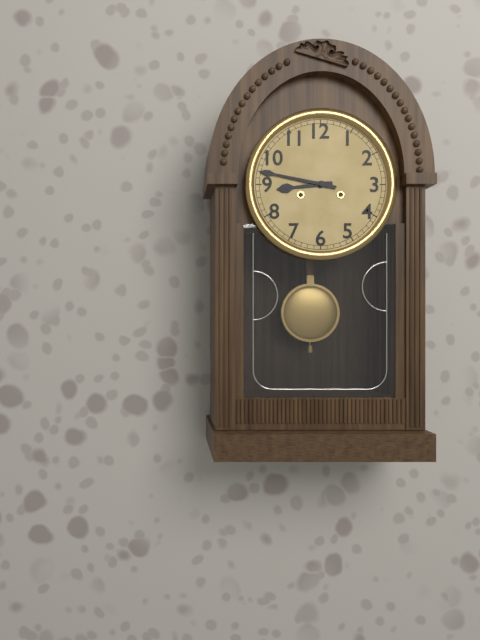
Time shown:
{"hour": 8, "minute": 47}
